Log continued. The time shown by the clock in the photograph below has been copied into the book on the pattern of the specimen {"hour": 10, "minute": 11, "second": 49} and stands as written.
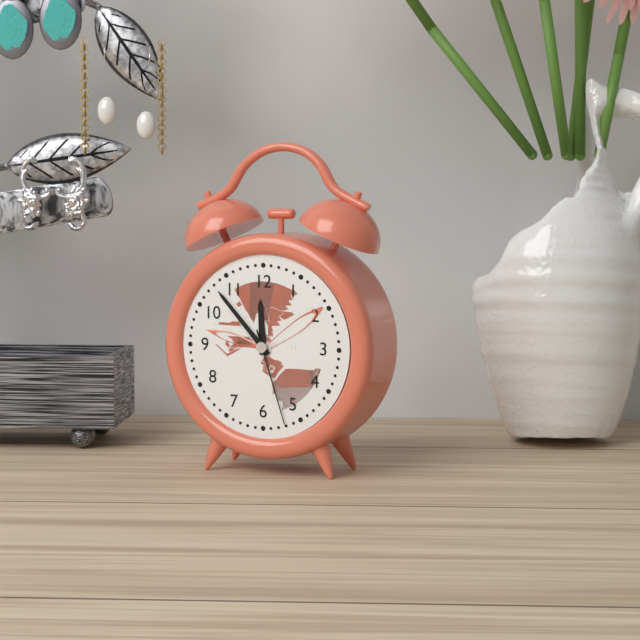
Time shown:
{"hour": 11, "minute": 53, "second": 27}
